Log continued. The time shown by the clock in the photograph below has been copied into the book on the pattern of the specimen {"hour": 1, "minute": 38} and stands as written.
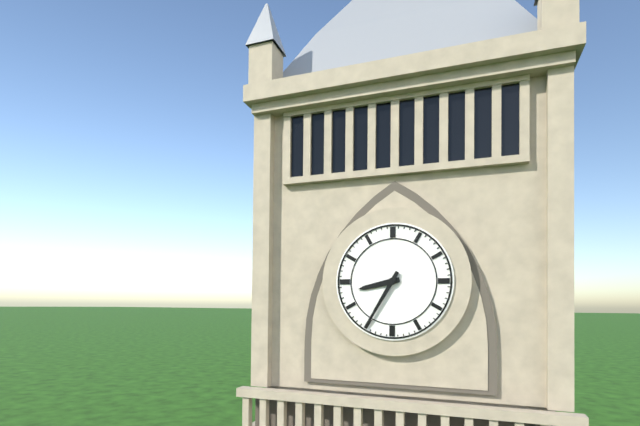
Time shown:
{"hour": 8, "minute": 35}
